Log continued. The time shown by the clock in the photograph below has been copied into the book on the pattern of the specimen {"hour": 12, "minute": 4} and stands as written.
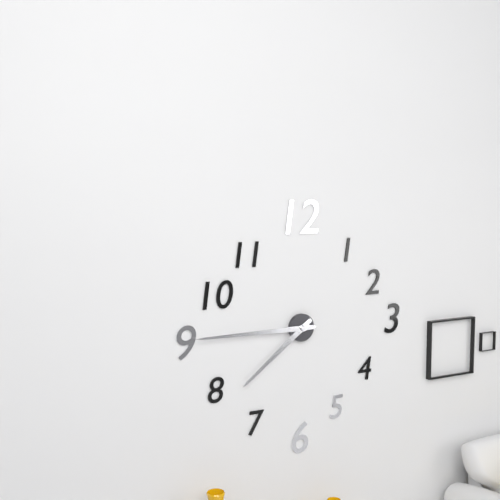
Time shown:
{"hour": 7, "minute": 45}
